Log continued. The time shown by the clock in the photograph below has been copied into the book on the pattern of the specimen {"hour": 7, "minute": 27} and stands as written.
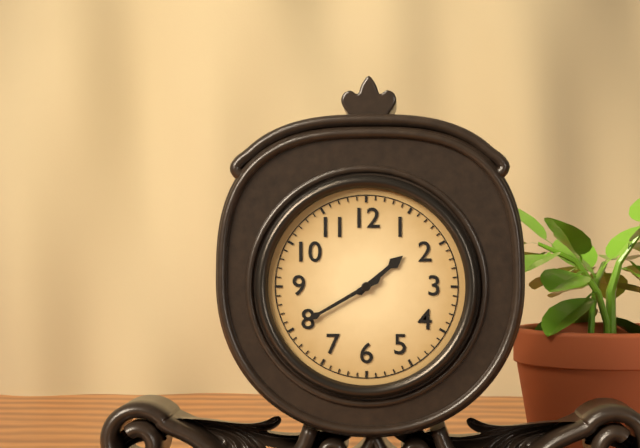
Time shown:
{"hour": 1, "minute": 40}
